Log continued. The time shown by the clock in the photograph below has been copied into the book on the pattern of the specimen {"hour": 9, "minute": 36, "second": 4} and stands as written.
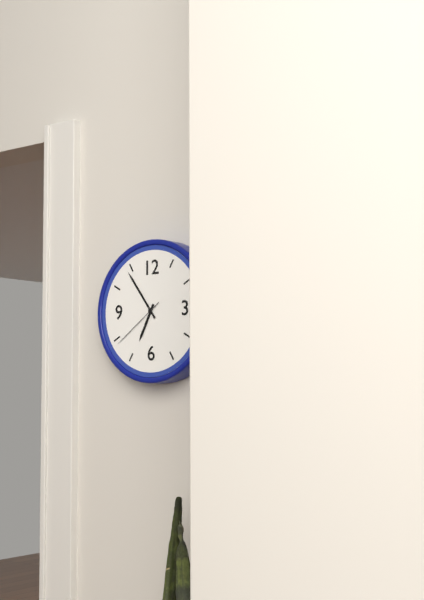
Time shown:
{"hour": 6, "minute": 54, "second": 39}
